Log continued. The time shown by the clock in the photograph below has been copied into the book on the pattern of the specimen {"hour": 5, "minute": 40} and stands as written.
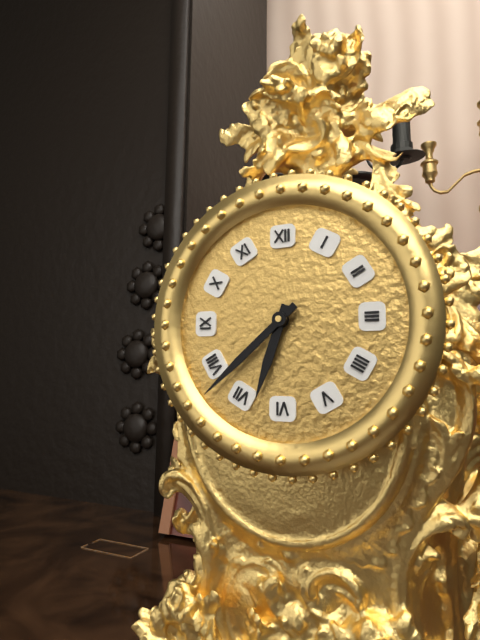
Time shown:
{"hour": 6, "minute": 38}
